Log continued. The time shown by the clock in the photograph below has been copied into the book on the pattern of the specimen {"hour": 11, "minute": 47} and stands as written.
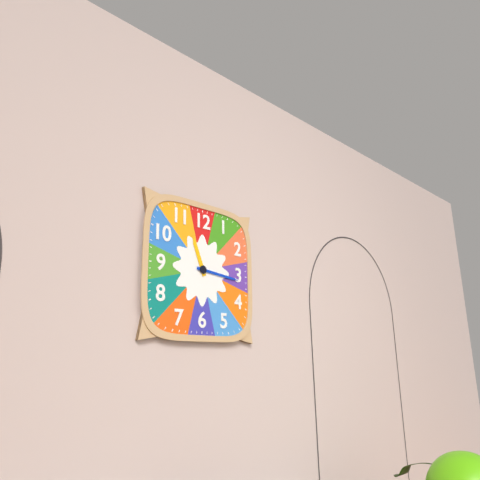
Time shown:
{"hour": 11, "minute": 16}
